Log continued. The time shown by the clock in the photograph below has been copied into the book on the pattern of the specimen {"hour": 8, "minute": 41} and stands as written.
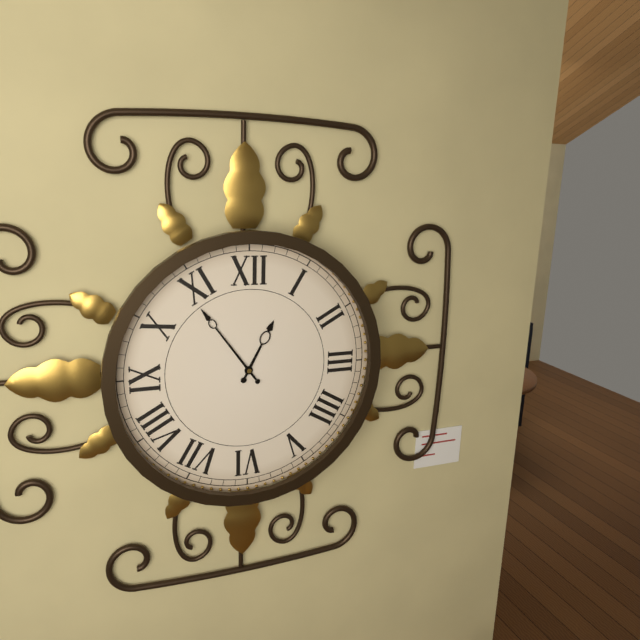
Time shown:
{"hour": 12, "minute": 54}
